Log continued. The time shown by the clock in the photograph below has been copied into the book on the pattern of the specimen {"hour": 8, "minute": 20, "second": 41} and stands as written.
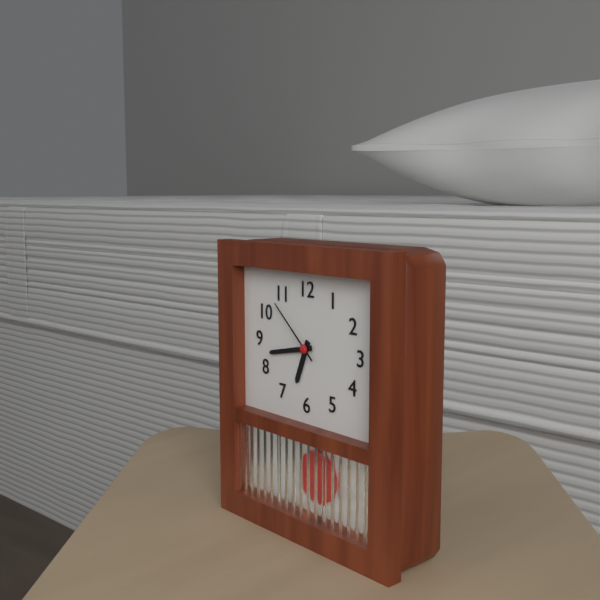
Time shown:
{"hour": 6, "minute": 43, "second": 52}
